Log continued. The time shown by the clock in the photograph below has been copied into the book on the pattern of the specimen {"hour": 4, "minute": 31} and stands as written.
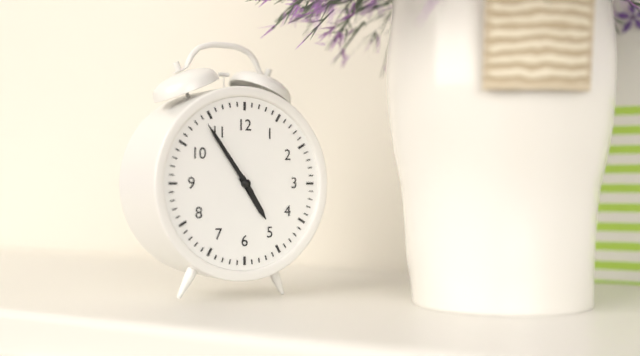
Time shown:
{"hour": 4, "minute": 54}
